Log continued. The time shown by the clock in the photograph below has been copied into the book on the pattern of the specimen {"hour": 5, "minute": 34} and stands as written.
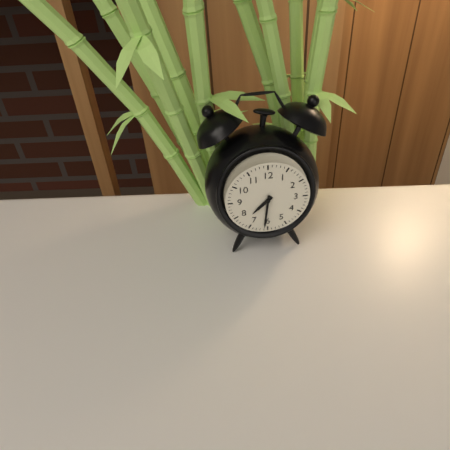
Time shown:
{"hour": 7, "minute": 31}
